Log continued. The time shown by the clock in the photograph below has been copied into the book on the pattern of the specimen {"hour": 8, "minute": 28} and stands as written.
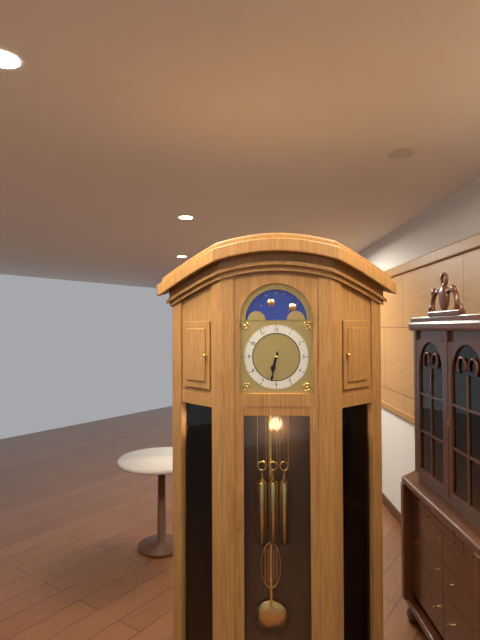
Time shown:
{"hour": 6, "minute": 32}
